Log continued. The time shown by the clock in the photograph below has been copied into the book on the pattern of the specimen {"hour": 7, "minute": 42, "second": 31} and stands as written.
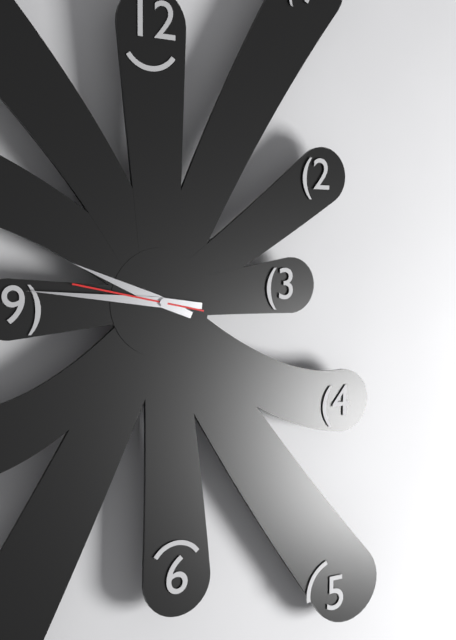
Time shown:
{"hour": 9, "minute": 46, "second": 47}
